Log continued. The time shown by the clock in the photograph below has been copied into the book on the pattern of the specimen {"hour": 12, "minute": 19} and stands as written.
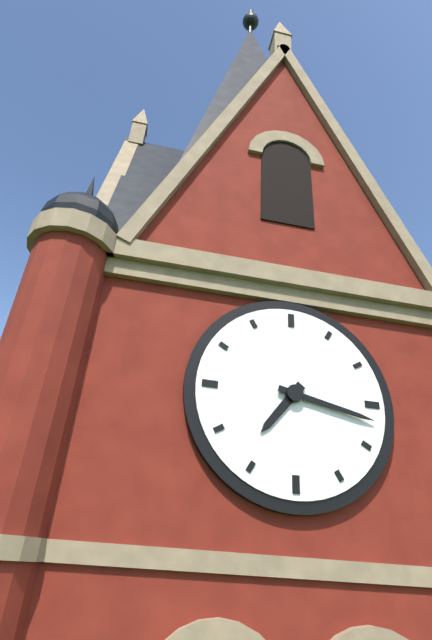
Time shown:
{"hour": 7, "minute": 17}
